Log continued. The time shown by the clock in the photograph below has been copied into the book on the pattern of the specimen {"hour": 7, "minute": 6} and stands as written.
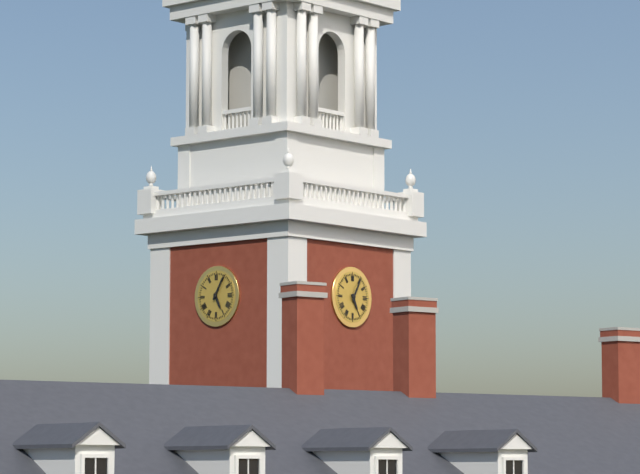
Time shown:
{"hour": 5, "minute": 5}
